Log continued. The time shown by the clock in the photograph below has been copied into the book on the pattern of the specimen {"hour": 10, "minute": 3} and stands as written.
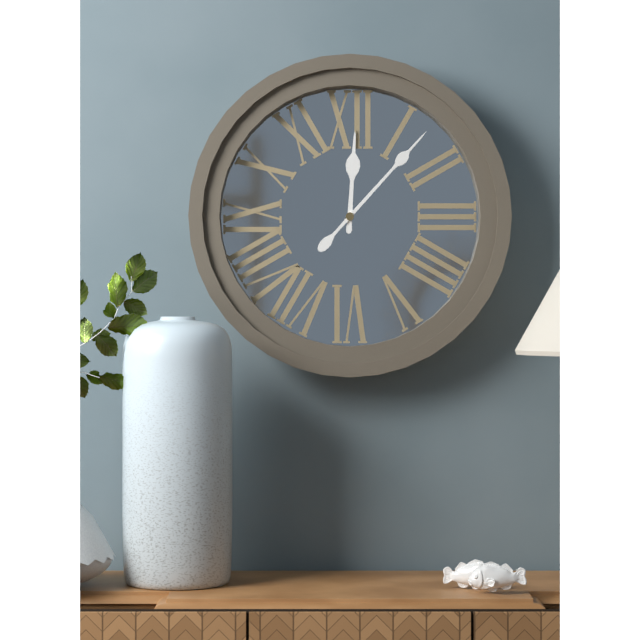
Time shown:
{"hour": 12, "minute": 7}
